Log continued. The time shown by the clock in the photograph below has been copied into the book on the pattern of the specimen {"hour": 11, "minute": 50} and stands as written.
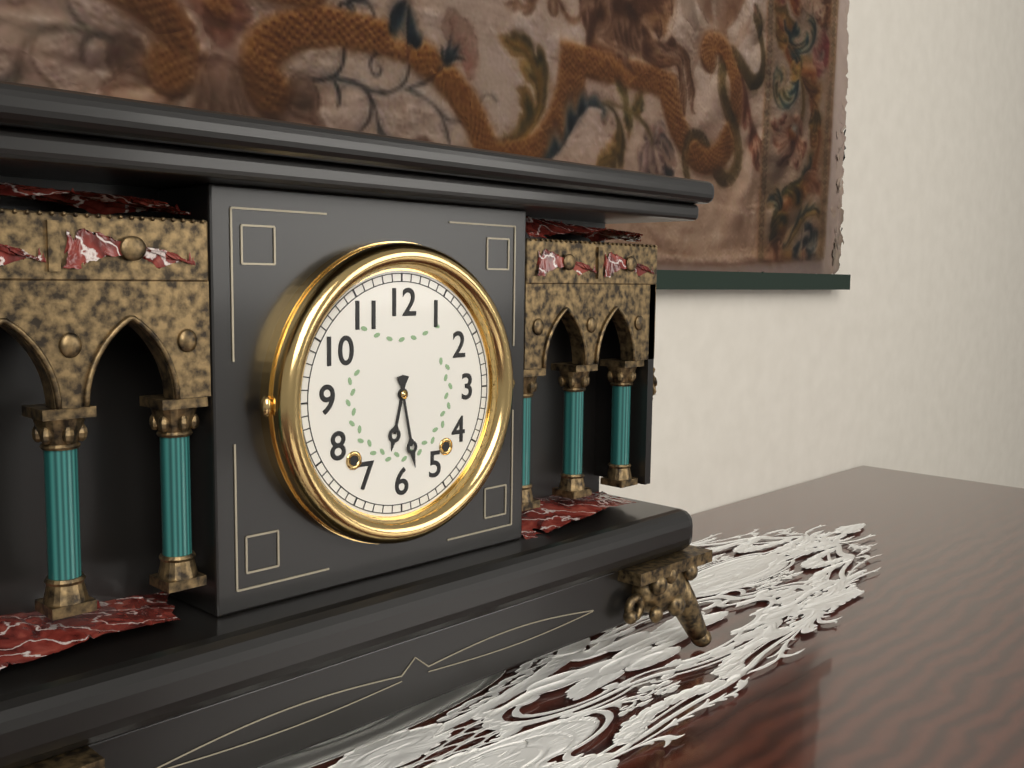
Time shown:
{"hour": 6, "minute": 28}
